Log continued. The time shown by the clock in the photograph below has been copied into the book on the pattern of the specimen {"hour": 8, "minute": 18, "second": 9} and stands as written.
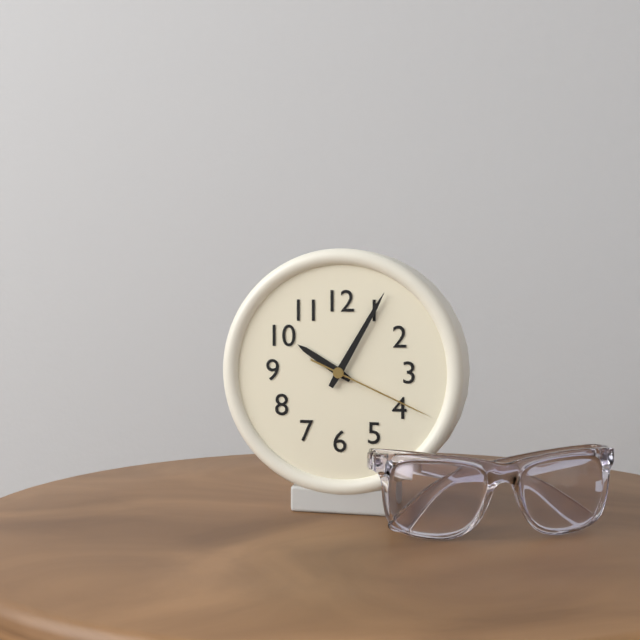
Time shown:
{"hour": 10, "minute": 5, "second": 19}
